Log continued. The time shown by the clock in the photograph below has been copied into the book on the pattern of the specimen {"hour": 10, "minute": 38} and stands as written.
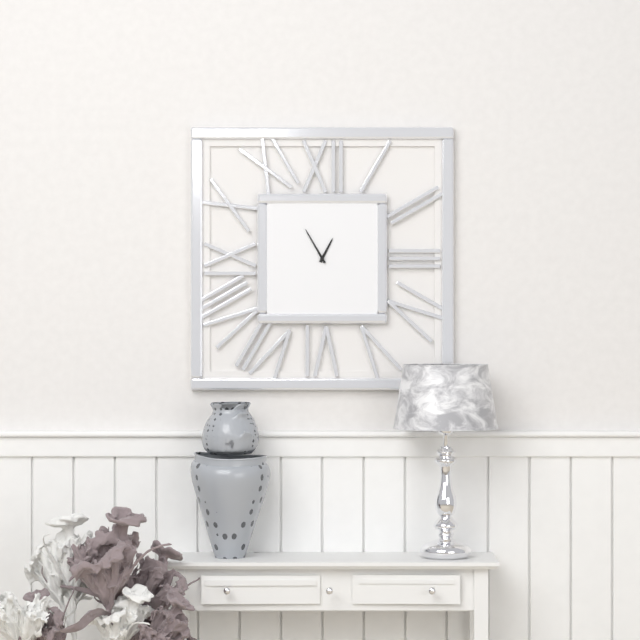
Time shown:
{"hour": 12, "minute": 55}
